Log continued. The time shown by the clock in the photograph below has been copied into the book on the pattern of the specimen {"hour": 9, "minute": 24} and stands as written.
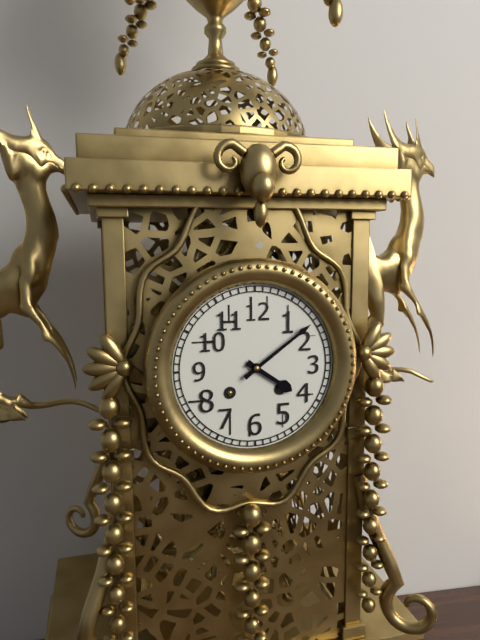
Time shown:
{"hour": 4, "minute": 9}
